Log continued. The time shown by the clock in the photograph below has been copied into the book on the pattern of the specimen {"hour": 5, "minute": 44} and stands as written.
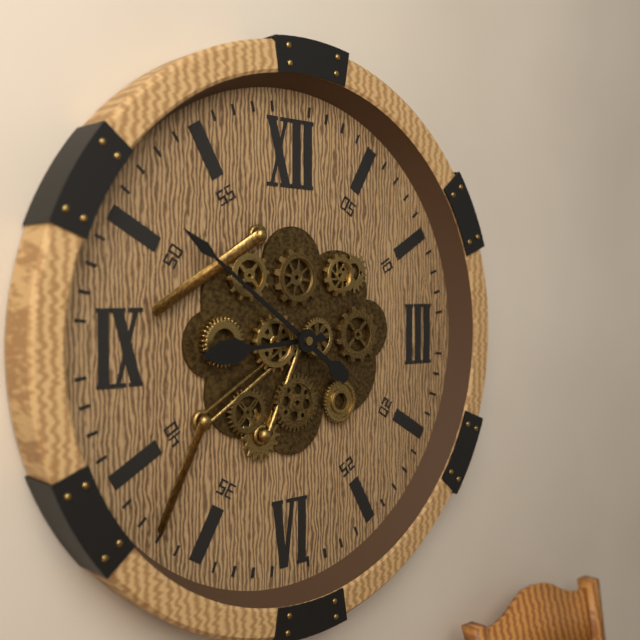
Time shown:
{"hour": 8, "minute": 51}
